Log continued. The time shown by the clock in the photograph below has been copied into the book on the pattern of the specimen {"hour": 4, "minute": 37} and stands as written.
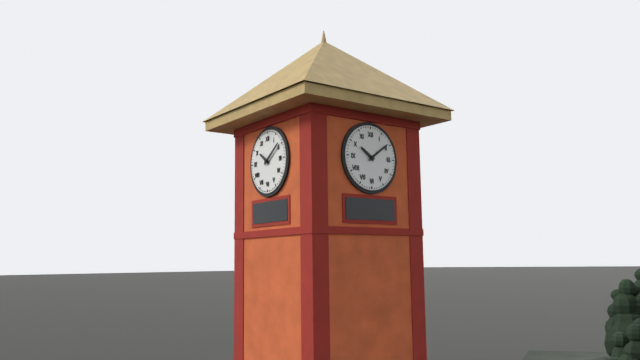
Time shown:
{"hour": 10, "minute": 9}
